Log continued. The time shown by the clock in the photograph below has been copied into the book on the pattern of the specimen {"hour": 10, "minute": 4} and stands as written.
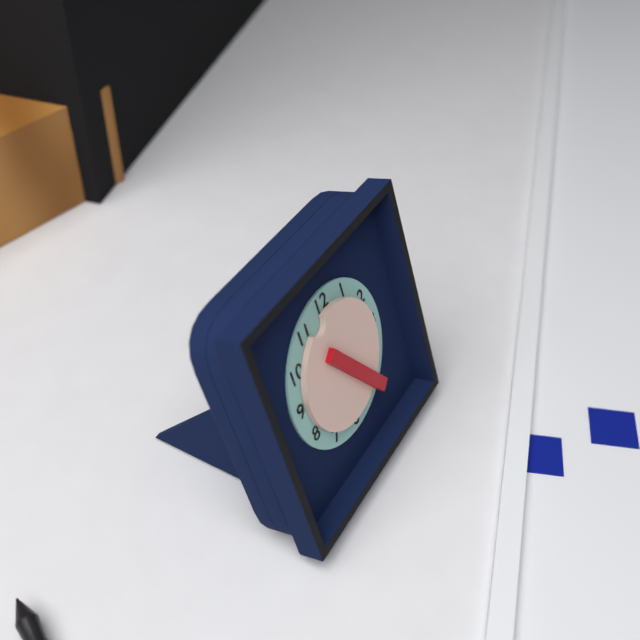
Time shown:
{"hour": 11, "minute": 24}
